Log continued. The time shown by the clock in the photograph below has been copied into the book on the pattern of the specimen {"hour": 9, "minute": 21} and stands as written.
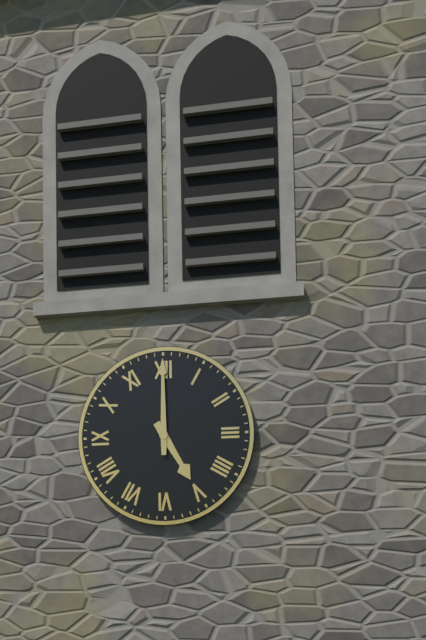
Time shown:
{"hour": 5, "minute": 0}
